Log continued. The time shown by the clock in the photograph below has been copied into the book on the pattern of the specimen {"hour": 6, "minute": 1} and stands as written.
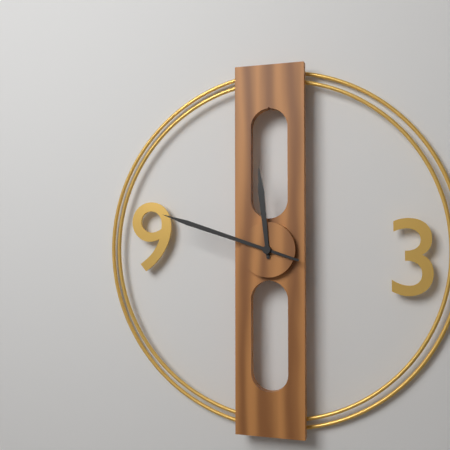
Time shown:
{"hour": 11, "minute": 48}
